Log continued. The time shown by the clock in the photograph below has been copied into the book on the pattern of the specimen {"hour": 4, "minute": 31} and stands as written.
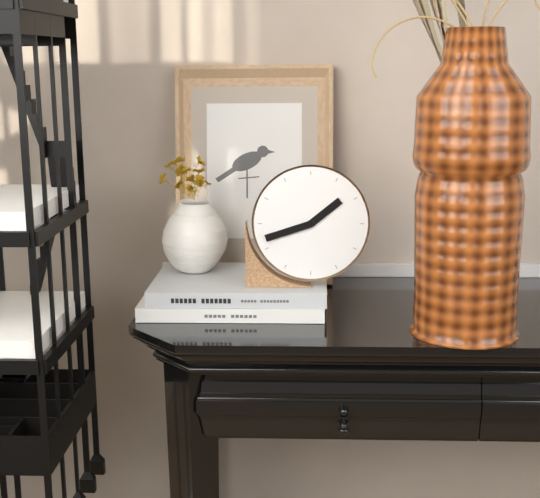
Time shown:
{"hour": 1, "minute": 42}
